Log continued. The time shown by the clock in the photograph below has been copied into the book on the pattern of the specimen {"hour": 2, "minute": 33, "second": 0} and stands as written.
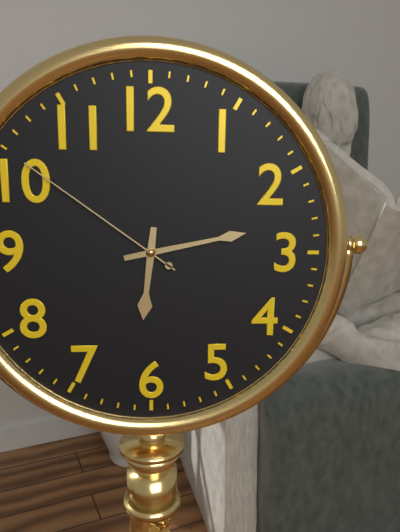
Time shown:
{"hour": 6, "minute": 13, "second": 51}
